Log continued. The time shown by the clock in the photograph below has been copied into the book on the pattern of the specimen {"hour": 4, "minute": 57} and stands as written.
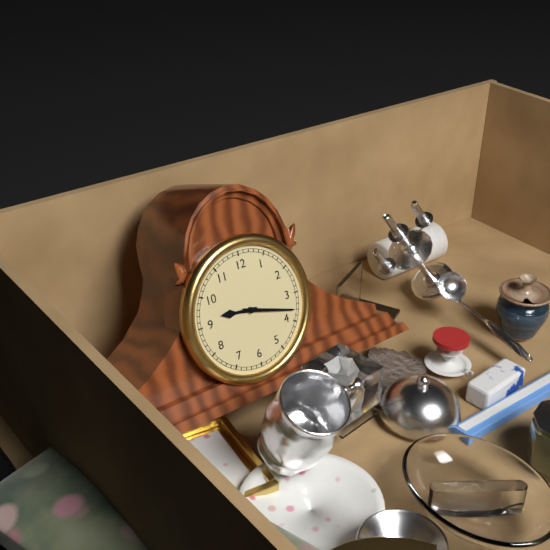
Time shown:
{"hour": 9, "minute": 18}
